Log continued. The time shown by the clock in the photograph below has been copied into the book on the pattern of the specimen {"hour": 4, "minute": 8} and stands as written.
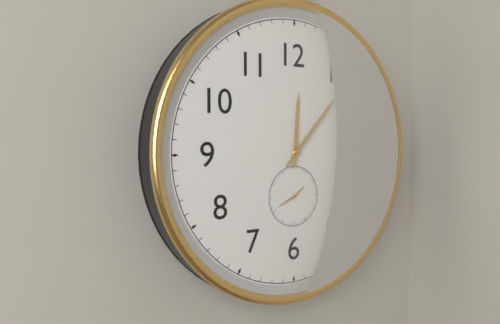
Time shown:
{"hour": 12, "minute": 7}
